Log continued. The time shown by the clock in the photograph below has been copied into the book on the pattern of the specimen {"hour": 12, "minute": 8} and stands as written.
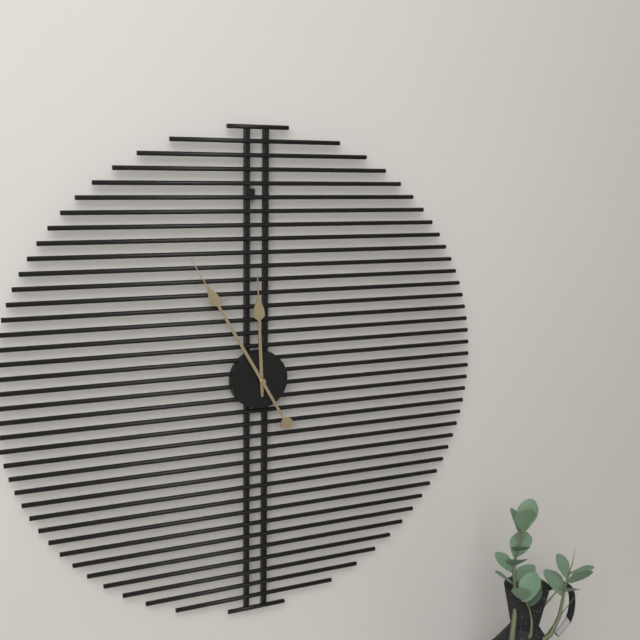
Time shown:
{"hour": 11, "minute": 55}
